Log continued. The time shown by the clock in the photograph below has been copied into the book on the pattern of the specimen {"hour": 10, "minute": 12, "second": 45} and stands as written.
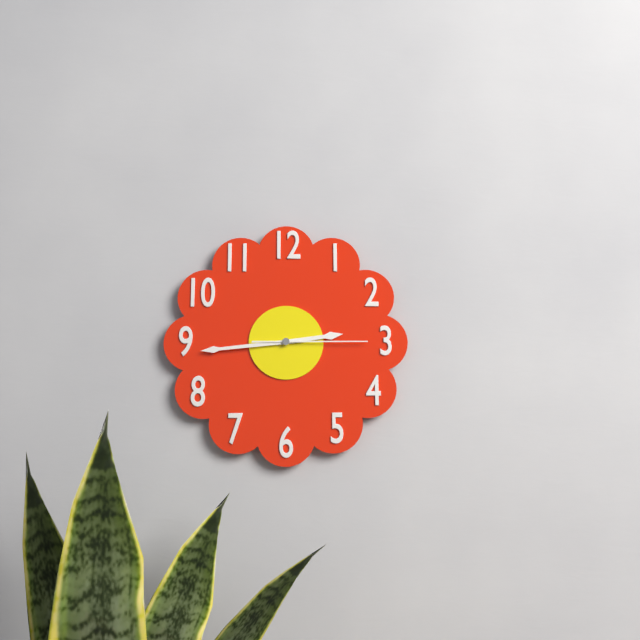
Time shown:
{"hour": 2, "minute": 44, "second": 15}
